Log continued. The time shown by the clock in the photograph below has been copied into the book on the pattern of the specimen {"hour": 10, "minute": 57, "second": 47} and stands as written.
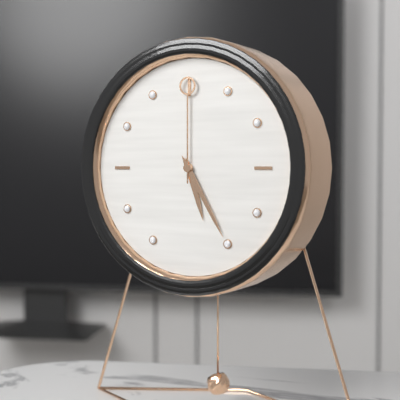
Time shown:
{"hour": 5, "minute": 25, "second": 0}
